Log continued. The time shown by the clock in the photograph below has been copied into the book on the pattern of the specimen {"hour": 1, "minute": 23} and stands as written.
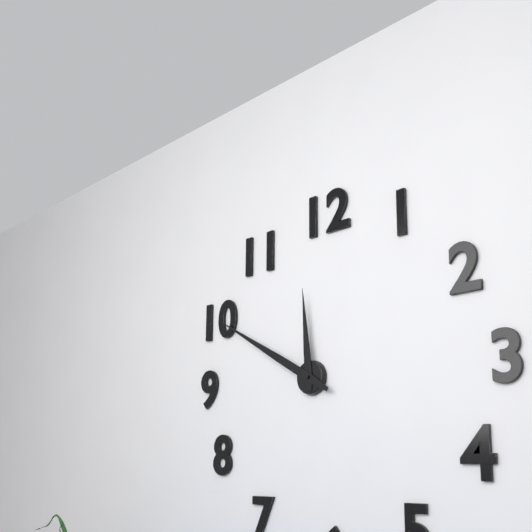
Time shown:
{"hour": 11, "minute": 50}
